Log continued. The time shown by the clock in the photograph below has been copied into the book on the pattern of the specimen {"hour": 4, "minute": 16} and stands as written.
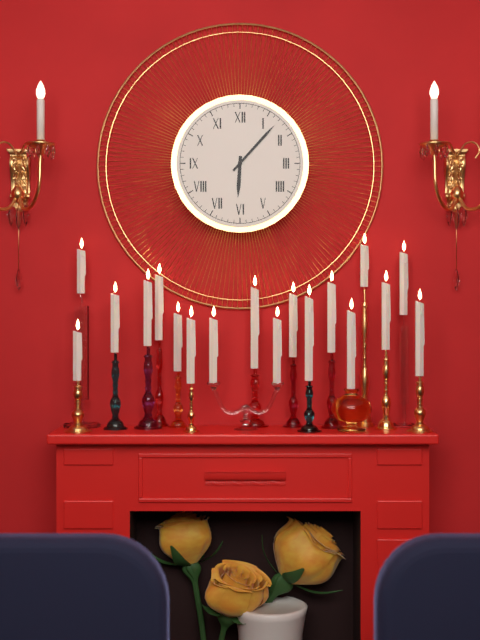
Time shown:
{"hour": 6, "minute": 7}
